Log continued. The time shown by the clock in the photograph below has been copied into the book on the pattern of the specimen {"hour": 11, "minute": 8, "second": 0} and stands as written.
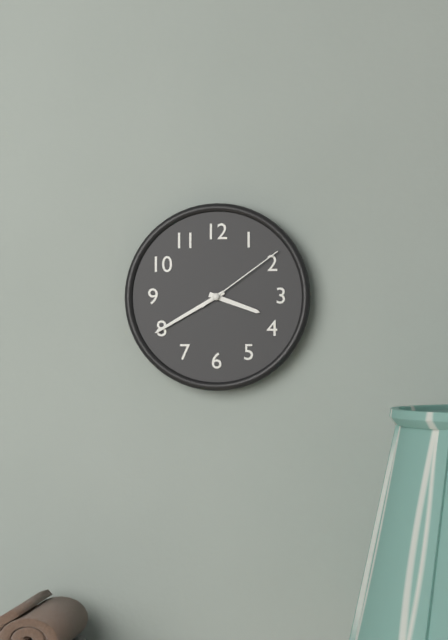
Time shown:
{"hour": 3, "minute": 40, "second": 9}
